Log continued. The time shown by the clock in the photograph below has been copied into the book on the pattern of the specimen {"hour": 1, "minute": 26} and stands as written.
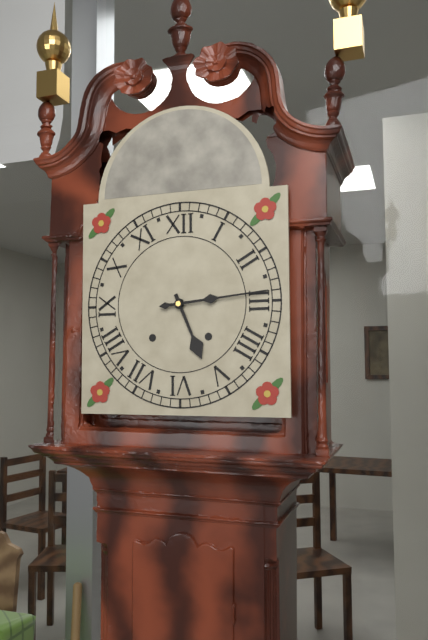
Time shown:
{"hour": 5, "minute": 14}
